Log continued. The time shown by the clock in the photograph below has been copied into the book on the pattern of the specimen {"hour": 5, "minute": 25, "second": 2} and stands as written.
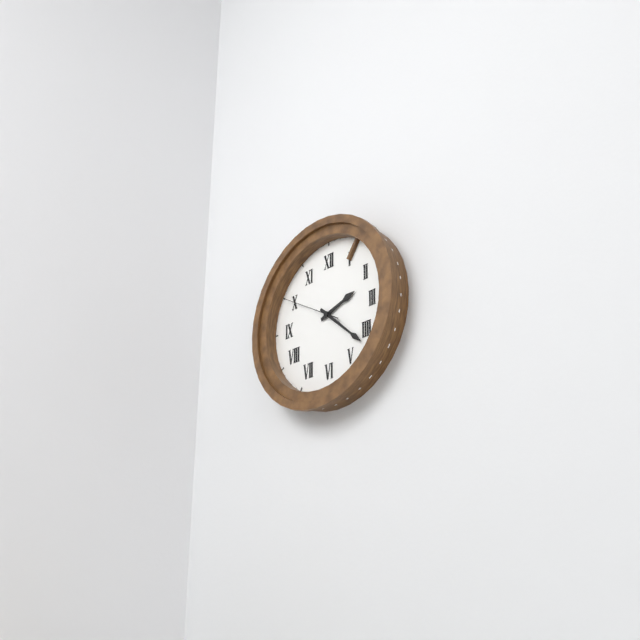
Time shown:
{"hour": 2, "minute": 22, "second": 50}
